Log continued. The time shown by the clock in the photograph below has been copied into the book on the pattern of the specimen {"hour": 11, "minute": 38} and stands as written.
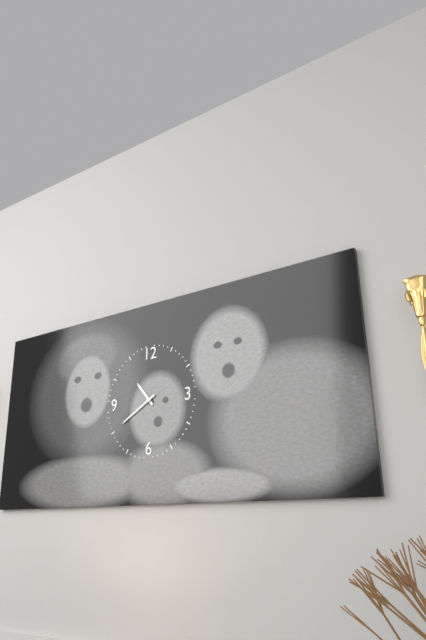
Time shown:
{"hour": 10, "minute": 40}
